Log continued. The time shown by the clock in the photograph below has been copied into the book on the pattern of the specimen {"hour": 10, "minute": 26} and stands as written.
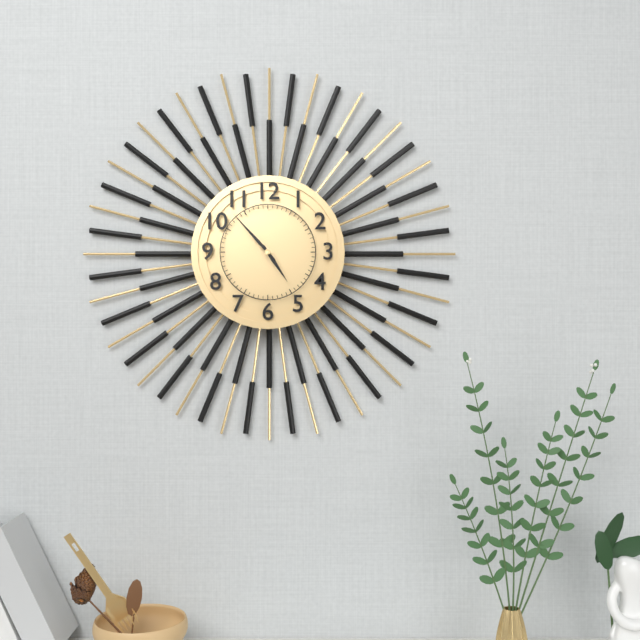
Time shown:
{"hour": 4, "minute": 53}
